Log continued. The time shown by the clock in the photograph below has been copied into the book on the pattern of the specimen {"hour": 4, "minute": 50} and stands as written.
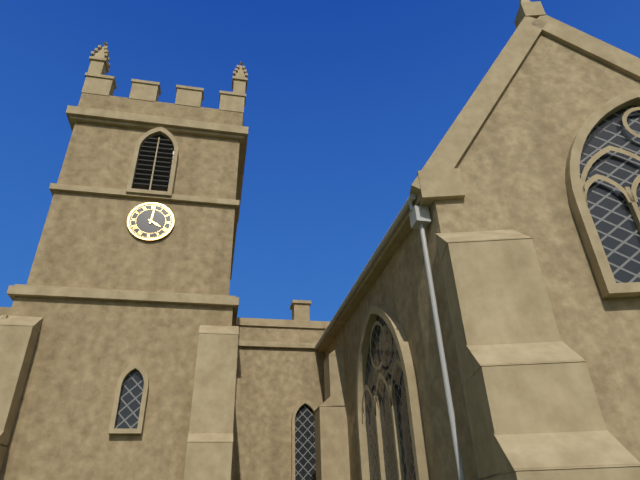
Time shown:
{"hour": 4, "minute": 1}
